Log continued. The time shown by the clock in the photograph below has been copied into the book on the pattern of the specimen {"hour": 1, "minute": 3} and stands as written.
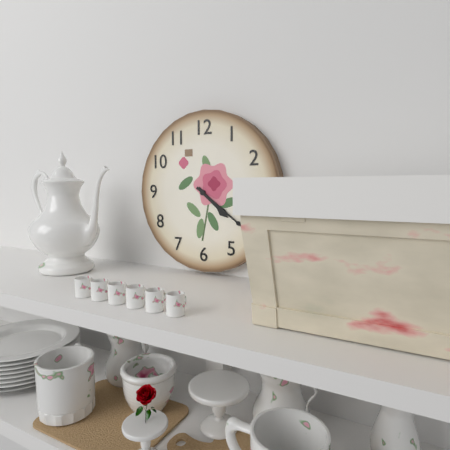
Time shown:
{"hour": 4, "minute": 21}
